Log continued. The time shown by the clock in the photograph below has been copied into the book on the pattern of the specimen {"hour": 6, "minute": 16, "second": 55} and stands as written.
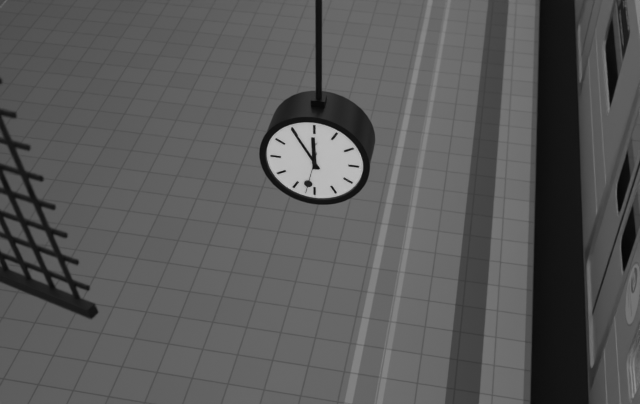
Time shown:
{"hour": 11, "minute": 55, "second": 32}
